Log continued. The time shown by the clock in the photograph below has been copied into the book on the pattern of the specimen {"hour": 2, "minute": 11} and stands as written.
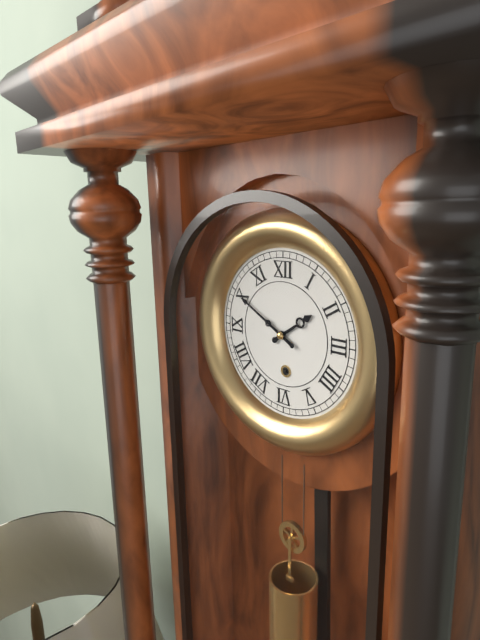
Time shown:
{"hour": 1, "minute": 50}
